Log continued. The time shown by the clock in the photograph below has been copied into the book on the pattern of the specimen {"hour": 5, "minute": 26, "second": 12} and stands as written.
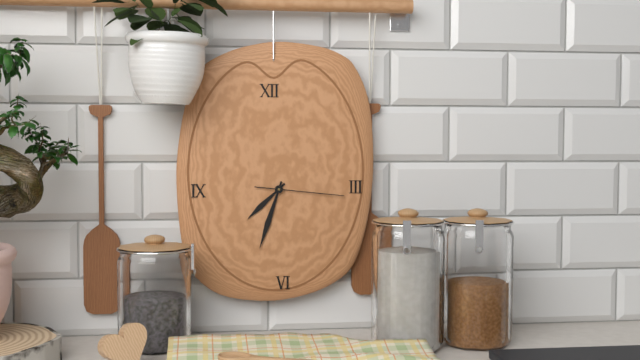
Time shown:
{"hour": 7, "minute": 33, "second": 16}
